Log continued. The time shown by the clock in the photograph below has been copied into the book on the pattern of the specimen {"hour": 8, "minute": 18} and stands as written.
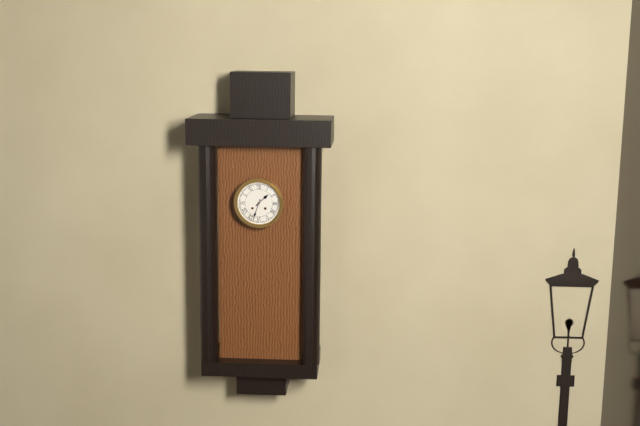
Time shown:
{"hour": 1, "minute": 33}
